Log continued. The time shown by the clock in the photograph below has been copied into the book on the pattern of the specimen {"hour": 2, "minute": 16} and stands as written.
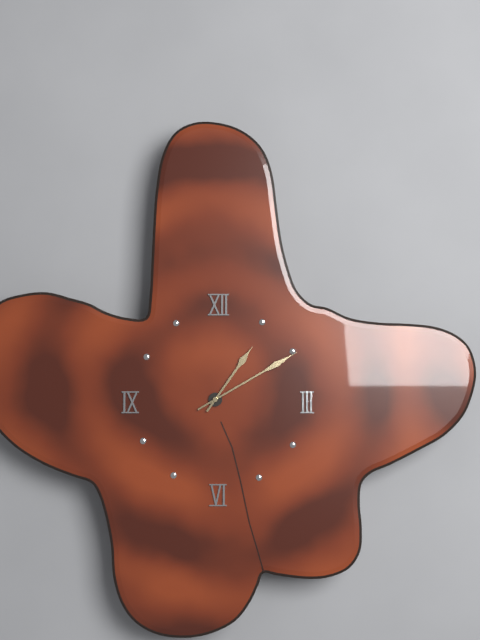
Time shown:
{"hour": 1, "minute": 10}
